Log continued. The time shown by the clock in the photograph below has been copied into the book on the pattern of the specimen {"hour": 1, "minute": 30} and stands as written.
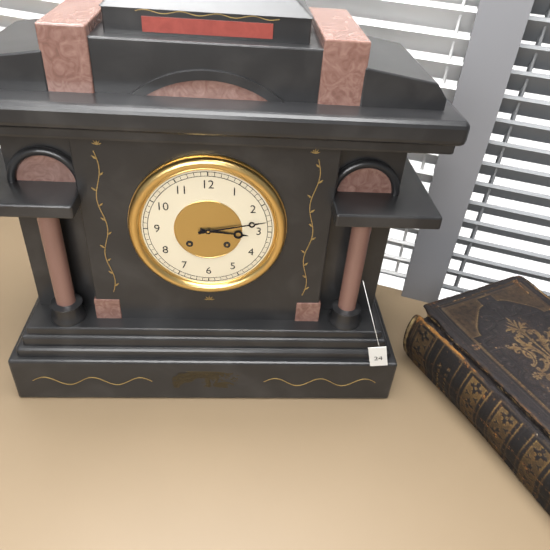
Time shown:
{"hour": 3, "minute": 13}
